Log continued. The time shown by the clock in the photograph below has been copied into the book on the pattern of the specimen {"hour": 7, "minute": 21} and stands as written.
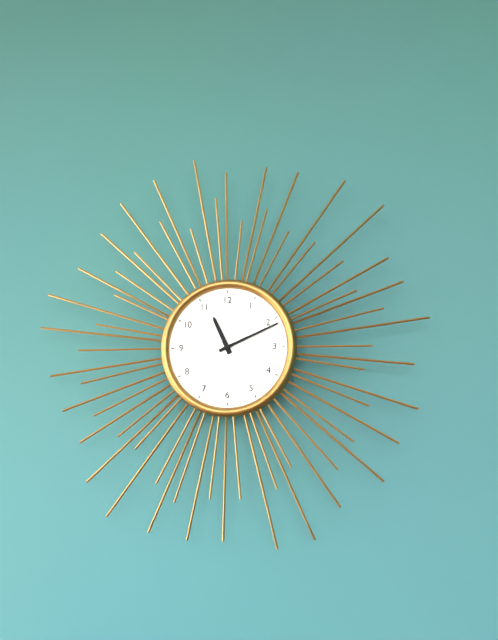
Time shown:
{"hour": 11, "minute": 11}
